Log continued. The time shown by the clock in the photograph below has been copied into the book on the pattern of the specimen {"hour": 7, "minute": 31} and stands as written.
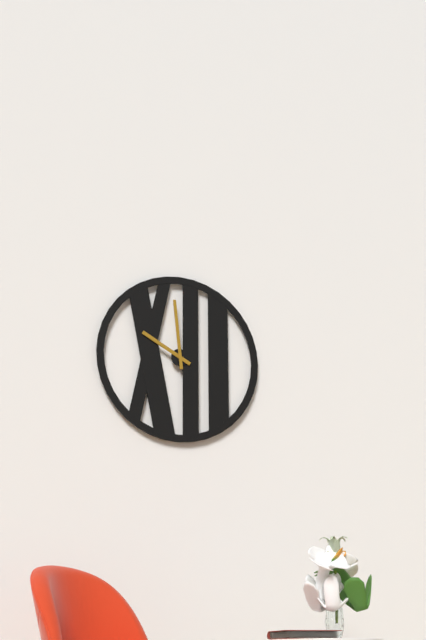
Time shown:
{"hour": 9, "minute": 59}
